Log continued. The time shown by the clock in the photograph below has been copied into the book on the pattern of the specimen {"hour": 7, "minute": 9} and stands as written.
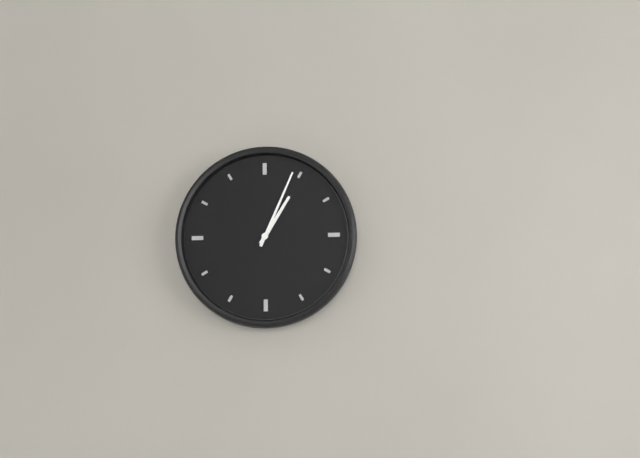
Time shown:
{"hour": 1, "minute": 4}
